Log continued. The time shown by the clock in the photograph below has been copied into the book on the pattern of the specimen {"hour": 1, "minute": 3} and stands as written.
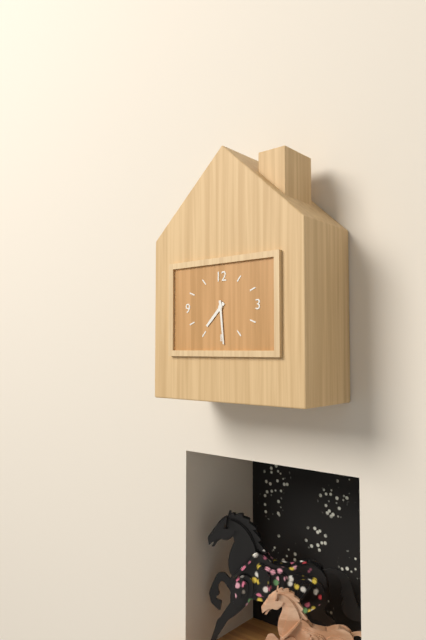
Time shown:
{"hour": 7, "minute": 29}
